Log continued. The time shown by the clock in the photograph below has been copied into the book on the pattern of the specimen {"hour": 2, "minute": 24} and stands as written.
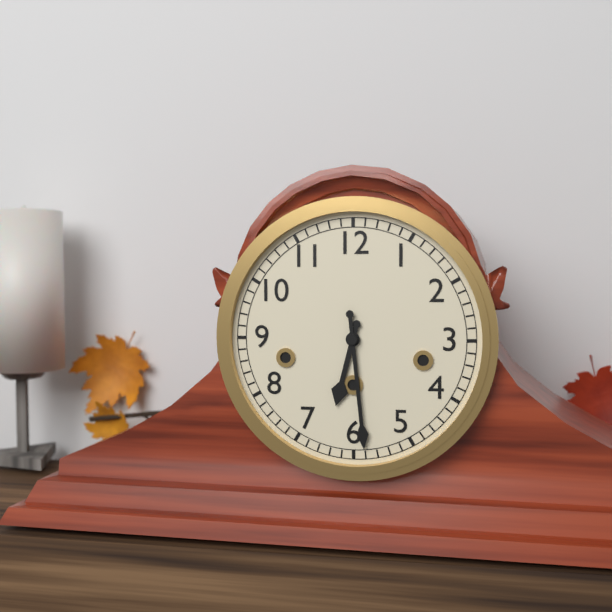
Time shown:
{"hour": 6, "minute": 29}
